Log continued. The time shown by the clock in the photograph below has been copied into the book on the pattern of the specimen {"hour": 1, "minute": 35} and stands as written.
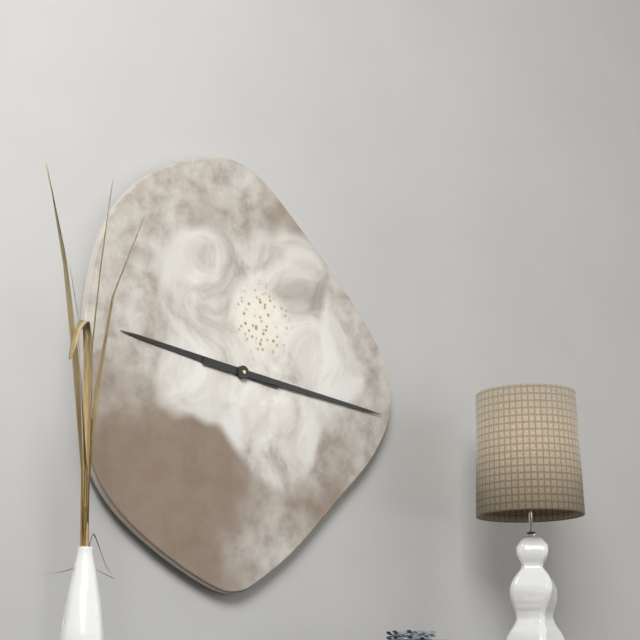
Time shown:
{"hour": 9, "minute": 16}
